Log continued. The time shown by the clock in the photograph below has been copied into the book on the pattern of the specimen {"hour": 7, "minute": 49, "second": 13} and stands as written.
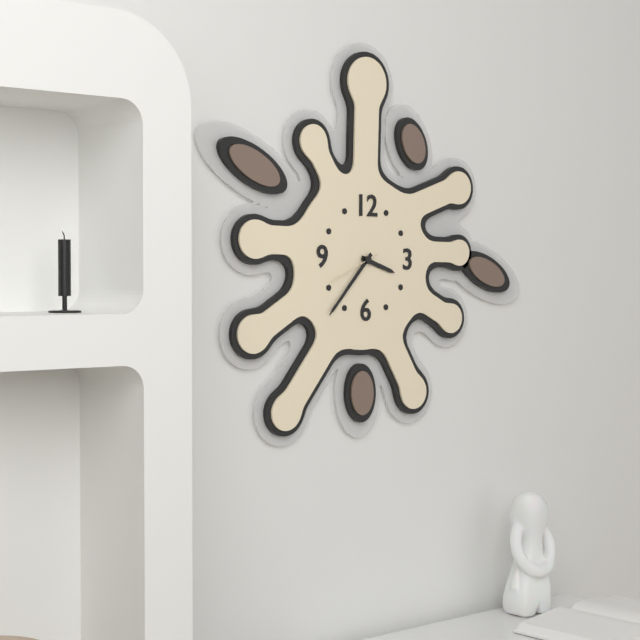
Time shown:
{"hour": 3, "minute": 37, "second": 41}
